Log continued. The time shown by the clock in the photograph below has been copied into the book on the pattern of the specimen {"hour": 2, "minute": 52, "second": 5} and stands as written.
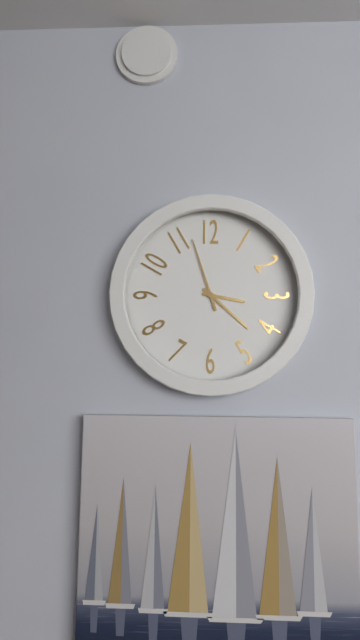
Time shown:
{"hour": 3, "minute": 22, "second": 57}
